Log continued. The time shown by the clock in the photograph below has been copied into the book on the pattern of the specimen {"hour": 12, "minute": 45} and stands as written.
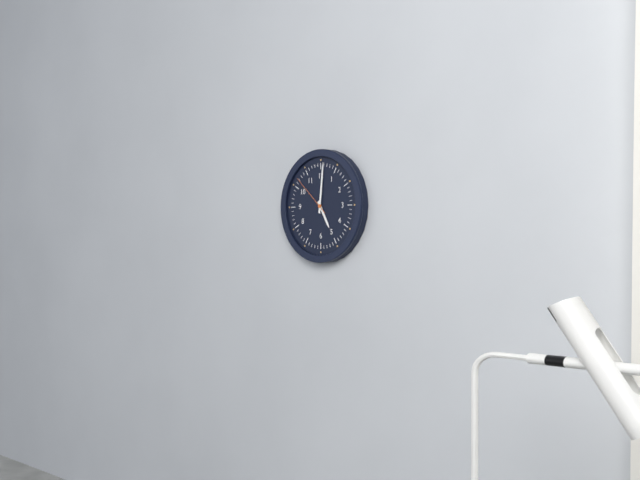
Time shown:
{"hour": 5, "minute": 1}
